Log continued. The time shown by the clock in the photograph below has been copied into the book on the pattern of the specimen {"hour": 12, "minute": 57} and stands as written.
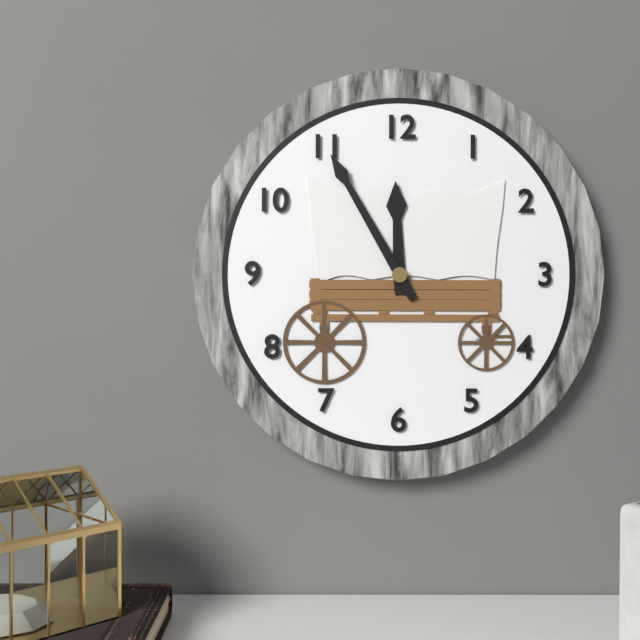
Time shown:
{"hour": 11, "minute": 55}
